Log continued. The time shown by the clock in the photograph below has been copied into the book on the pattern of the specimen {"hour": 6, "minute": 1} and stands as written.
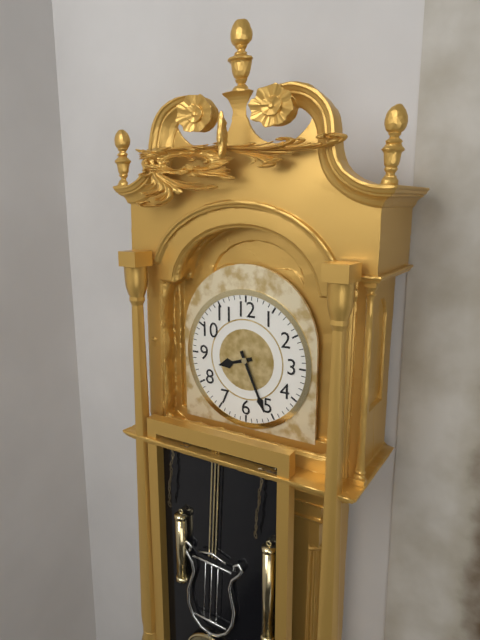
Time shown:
{"hour": 8, "minute": 26}
